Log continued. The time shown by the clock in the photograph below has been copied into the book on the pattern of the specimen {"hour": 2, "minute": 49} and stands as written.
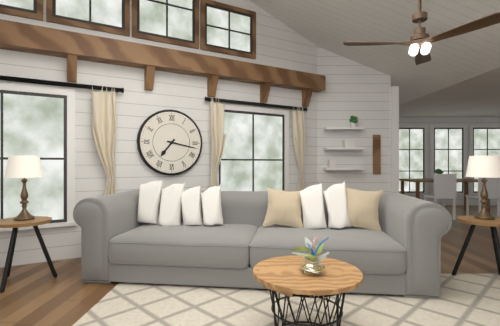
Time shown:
{"hour": 7, "minute": 17}
